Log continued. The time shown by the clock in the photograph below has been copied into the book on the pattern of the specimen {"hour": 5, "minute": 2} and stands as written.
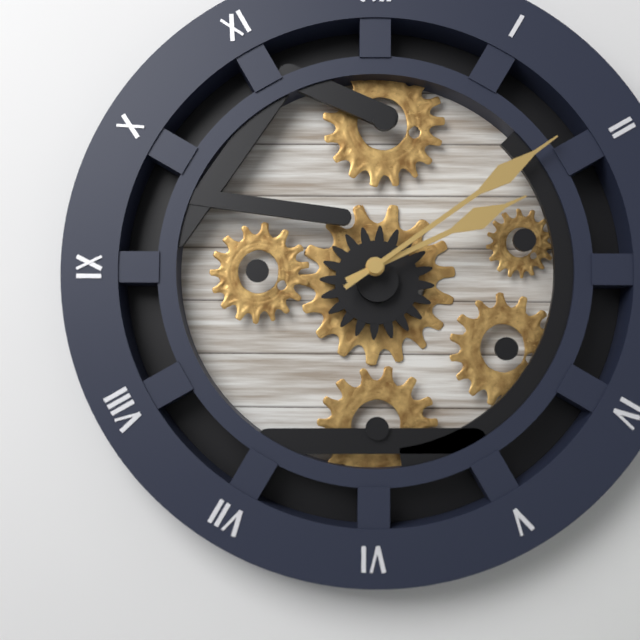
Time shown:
{"hour": 2, "minute": 9}
